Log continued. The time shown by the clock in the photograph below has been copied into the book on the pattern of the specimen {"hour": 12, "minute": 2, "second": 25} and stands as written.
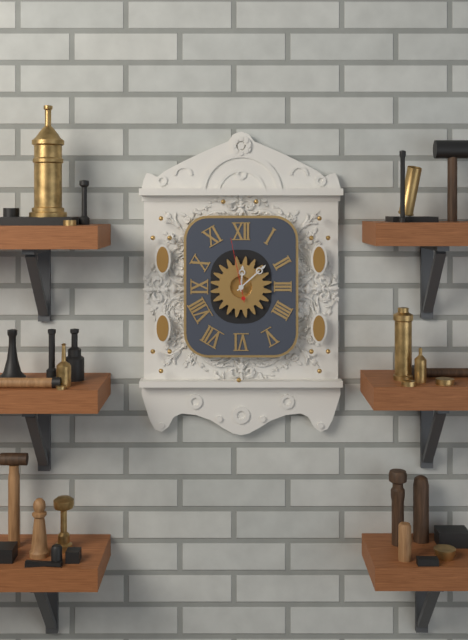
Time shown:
{"hour": 12, "minute": 8, "second": 58}
